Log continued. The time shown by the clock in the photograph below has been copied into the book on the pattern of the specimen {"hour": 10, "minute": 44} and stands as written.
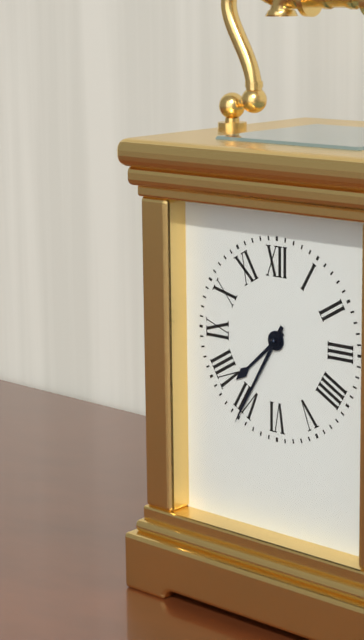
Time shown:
{"hour": 7, "minute": 35}
